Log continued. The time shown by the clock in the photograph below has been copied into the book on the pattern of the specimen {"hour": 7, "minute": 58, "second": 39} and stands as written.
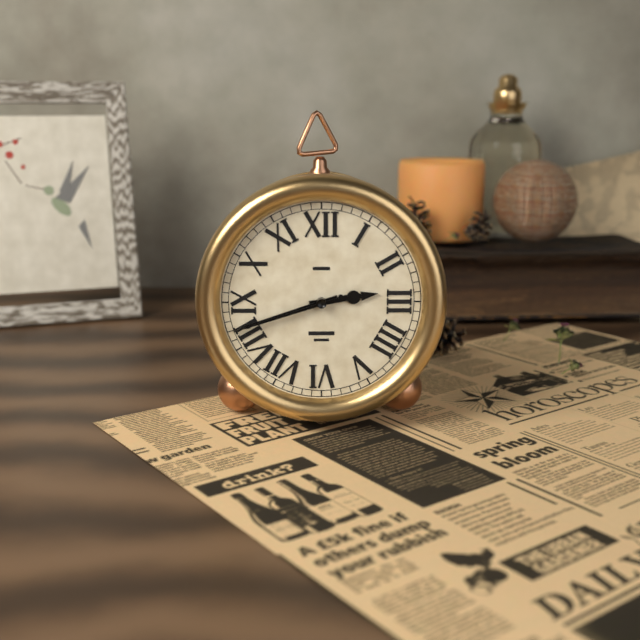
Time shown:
{"hour": 2, "minute": 42, "second": 42}
